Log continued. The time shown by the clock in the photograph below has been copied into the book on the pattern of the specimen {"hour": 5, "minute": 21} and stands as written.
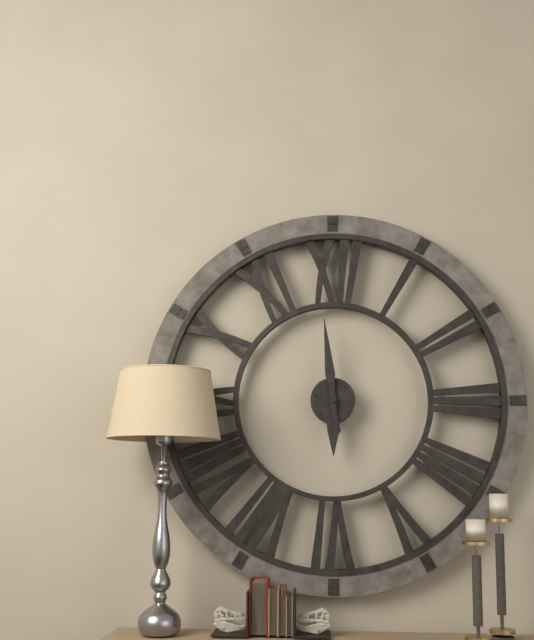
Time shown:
{"hour": 5, "minute": 59}
